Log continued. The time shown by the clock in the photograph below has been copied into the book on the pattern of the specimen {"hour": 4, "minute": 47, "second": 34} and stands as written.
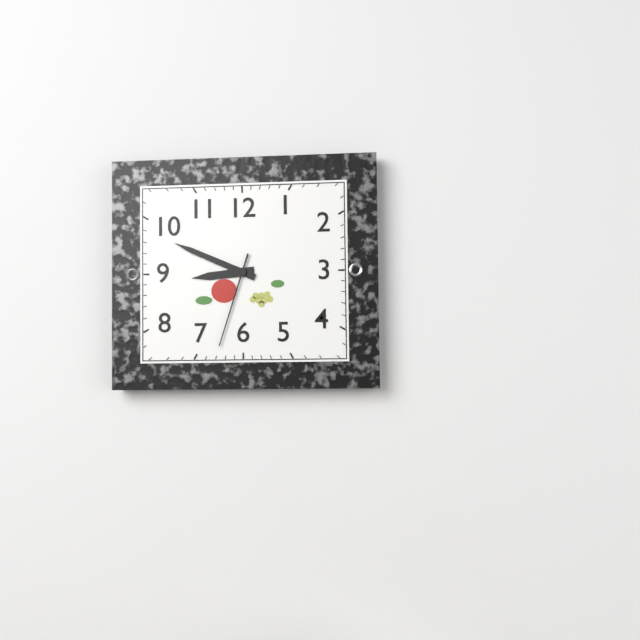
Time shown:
{"hour": 8, "minute": 49, "second": 33}
